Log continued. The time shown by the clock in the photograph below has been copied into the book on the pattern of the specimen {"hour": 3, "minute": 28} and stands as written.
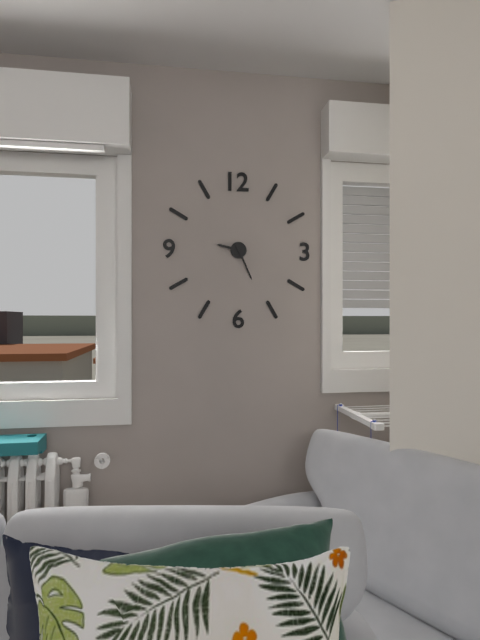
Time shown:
{"hour": 9, "minute": 26}
